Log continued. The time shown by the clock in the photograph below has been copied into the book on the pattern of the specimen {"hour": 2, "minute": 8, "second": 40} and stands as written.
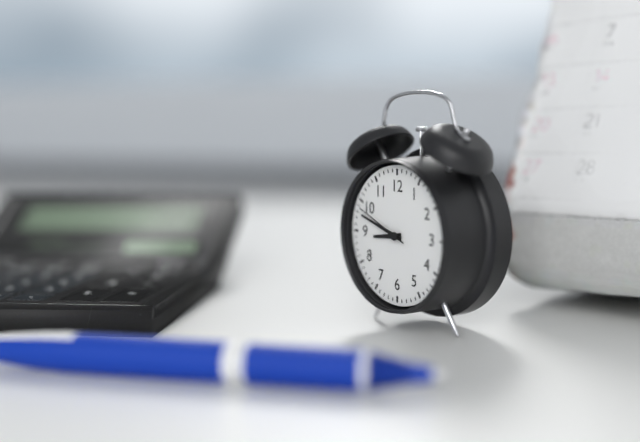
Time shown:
{"hour": 8, "minute": 48, "second": 49}
